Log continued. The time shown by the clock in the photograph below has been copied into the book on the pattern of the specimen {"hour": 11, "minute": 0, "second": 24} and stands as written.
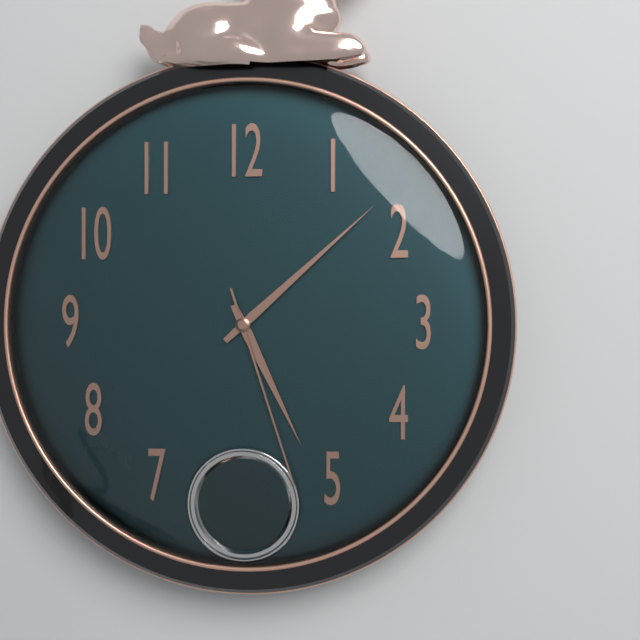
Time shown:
{"hour": 5, "minute": 8, "second": 27}
